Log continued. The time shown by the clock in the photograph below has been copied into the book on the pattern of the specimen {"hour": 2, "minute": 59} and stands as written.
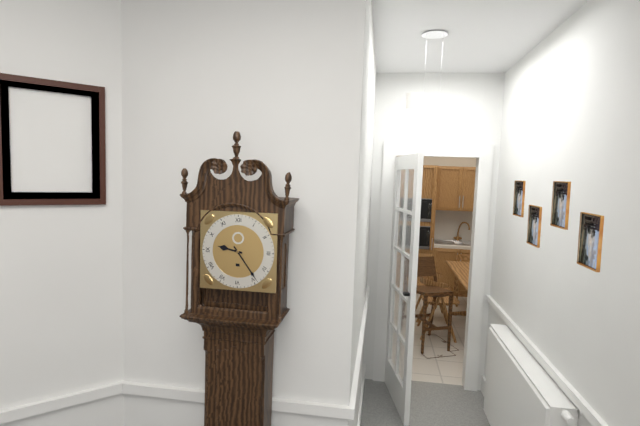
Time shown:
{"hour": 9, "minute": 24}
